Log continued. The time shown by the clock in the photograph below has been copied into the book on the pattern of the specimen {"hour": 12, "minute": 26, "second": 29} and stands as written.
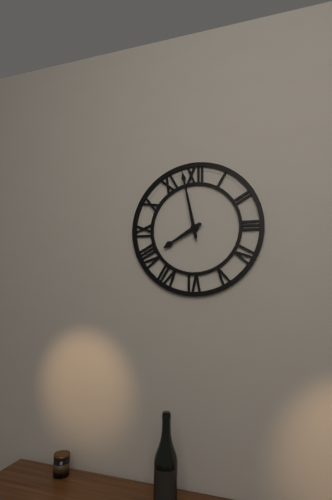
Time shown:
{"hour": 7, "minute": 58, "second": 58}
